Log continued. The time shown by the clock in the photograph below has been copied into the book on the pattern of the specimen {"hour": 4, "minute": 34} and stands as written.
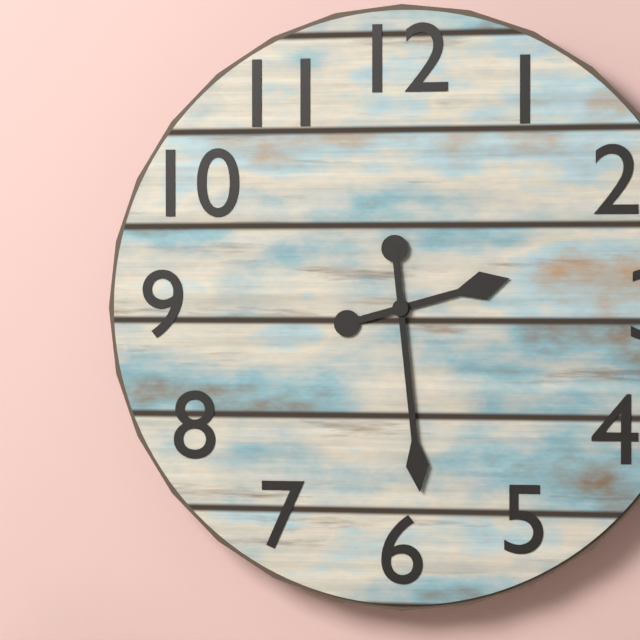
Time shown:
{"hour": 2, "minute": 29}
